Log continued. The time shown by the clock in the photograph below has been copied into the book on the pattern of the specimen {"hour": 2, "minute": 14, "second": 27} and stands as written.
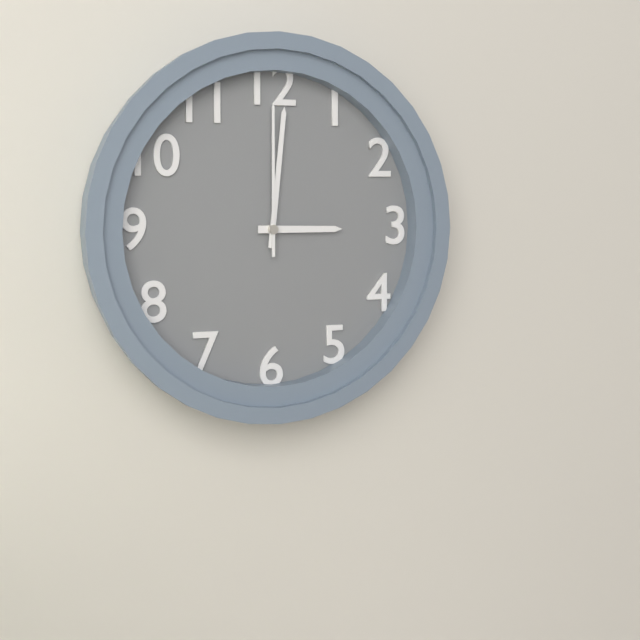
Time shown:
{"hour": 3, "minute": 1, "second": 0}
